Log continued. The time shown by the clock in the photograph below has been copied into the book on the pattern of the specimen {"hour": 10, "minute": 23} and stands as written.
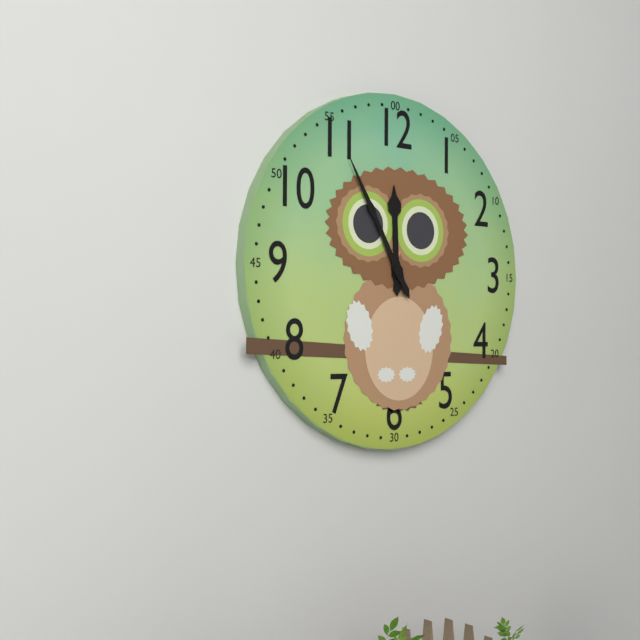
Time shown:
{"hour": 11, "minute": 55}
